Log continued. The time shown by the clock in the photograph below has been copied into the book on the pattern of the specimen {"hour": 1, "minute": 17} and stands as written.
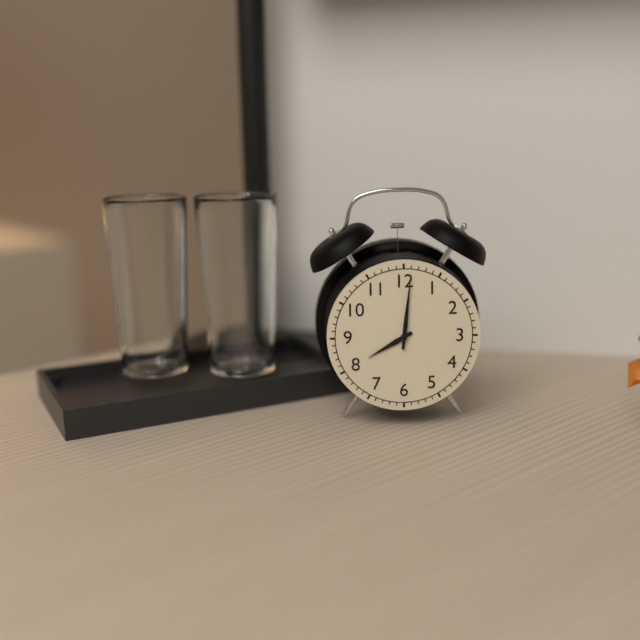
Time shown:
{"hour": 8, "minute": 1}
